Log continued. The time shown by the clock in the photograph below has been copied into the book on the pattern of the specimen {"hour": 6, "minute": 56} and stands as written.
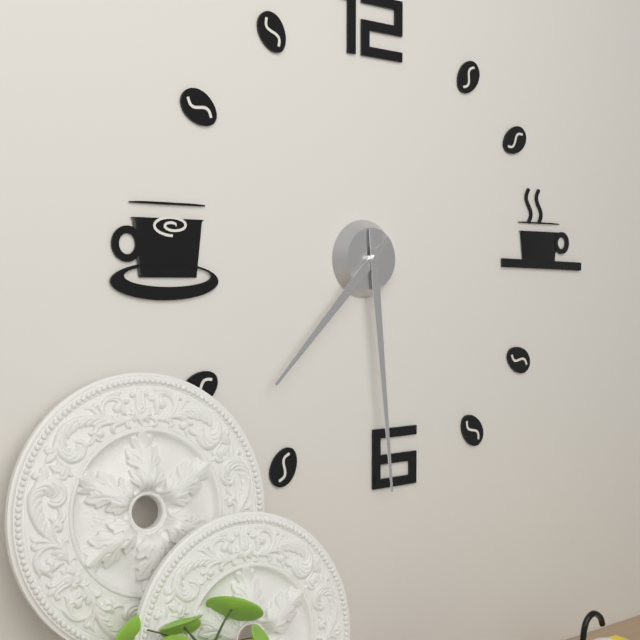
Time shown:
{"hour": 7, "minute": 29}
